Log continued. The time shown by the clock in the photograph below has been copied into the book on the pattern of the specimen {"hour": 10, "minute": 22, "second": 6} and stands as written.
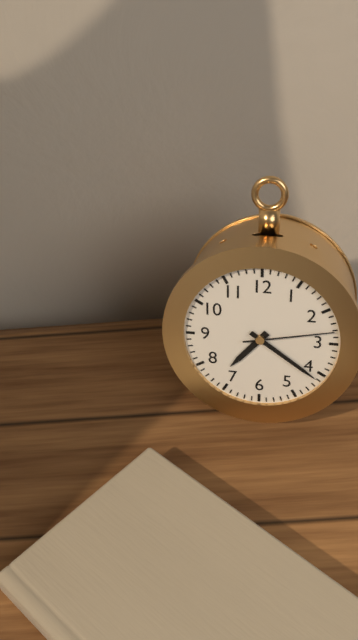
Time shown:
{"hour": 7, "minute": 21, "second": 13}
